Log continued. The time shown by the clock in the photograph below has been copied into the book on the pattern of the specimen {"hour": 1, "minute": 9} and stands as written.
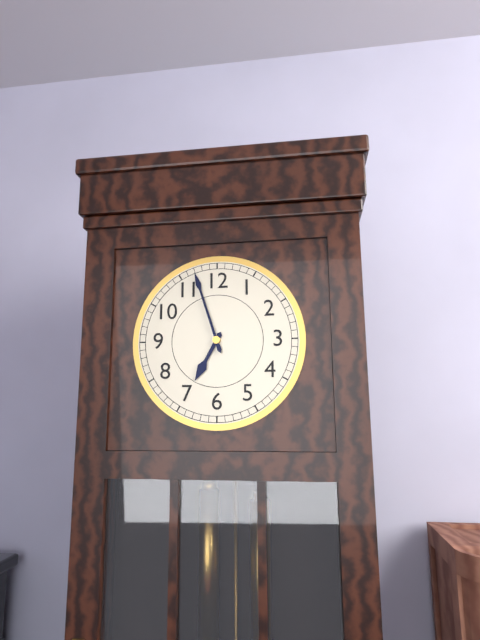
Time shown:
{"hour": 6, "minute": 57}
